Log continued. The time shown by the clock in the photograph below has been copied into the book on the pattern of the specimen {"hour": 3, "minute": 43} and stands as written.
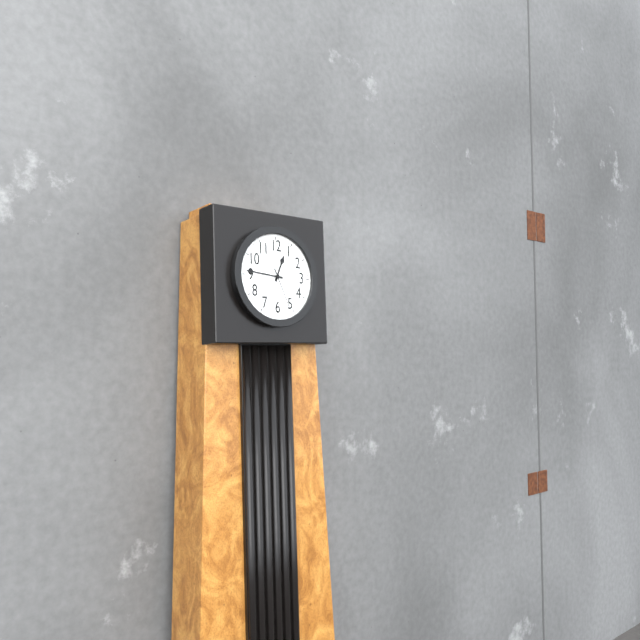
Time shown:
{"hour": 12, "minute": 46}
